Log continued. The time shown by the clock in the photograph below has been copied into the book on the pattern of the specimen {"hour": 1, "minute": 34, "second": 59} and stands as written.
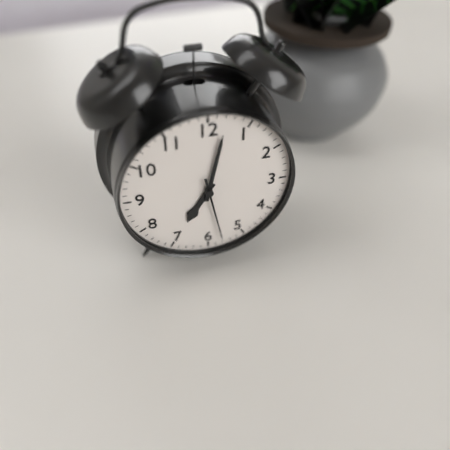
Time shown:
{"hour": 7, "minute": 2, "second": 28}
